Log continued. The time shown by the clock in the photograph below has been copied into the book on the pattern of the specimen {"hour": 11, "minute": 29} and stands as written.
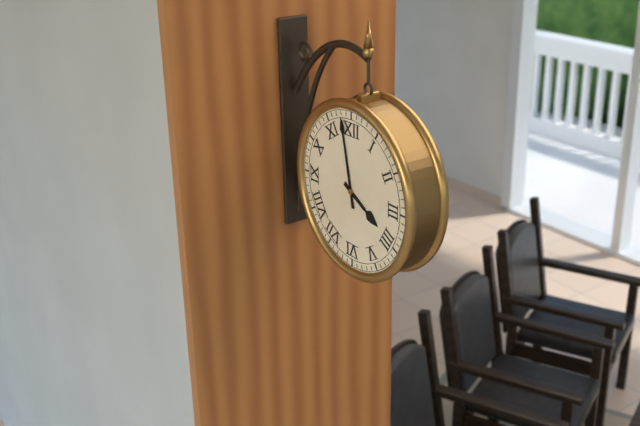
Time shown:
{"hour": 3, "minute": 58}
